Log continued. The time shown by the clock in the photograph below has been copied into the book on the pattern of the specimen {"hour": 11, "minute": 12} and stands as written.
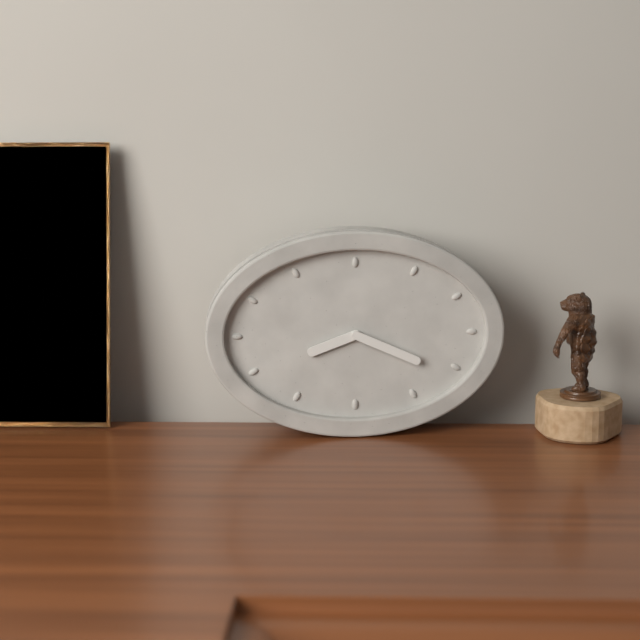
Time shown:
{"hour": 8, "minute": 19}
